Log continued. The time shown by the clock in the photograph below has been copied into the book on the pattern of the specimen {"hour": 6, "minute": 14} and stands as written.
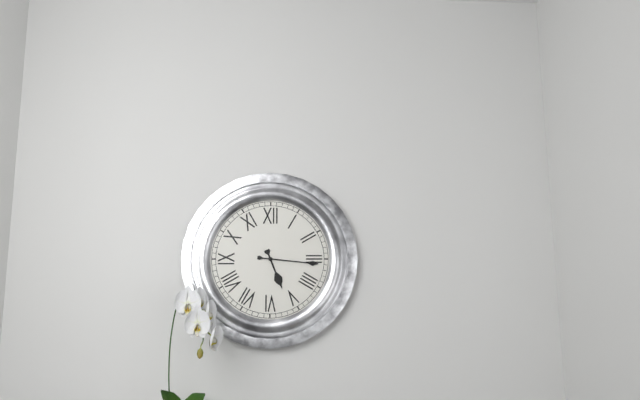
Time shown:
{"hour": 5, "minute": 16}
